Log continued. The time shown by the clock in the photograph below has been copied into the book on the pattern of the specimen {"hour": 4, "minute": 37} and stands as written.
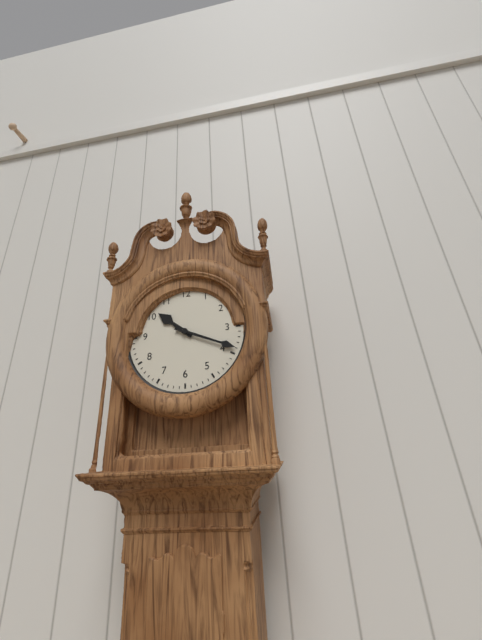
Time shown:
{"hour": 10, "minute": 19}
